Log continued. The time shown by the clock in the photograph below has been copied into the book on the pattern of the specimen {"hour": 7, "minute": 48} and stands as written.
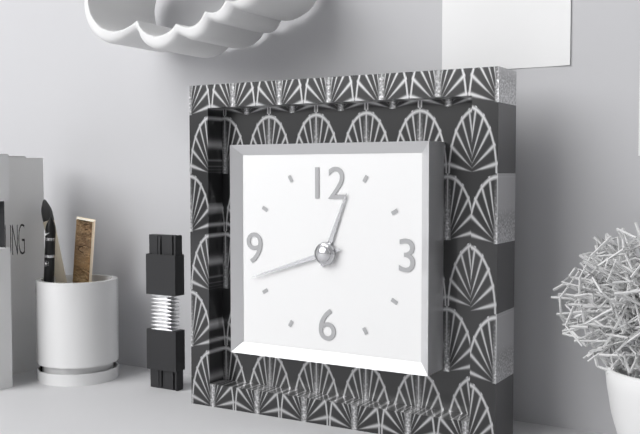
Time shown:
{"hour": 12, "minute": 42}
